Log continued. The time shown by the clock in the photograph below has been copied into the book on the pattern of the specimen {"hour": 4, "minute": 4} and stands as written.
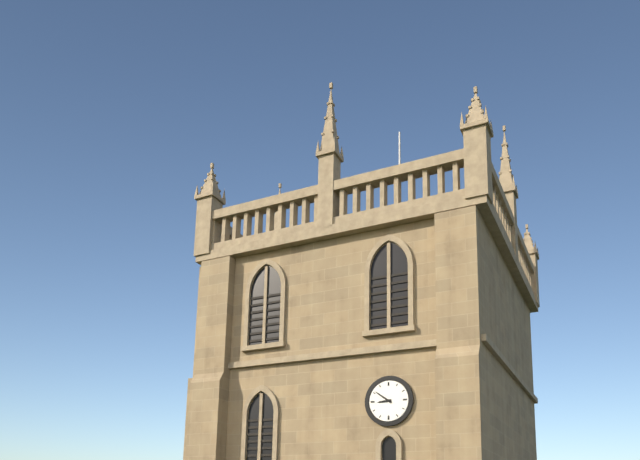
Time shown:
{"hour": 8, "minute": 51}
